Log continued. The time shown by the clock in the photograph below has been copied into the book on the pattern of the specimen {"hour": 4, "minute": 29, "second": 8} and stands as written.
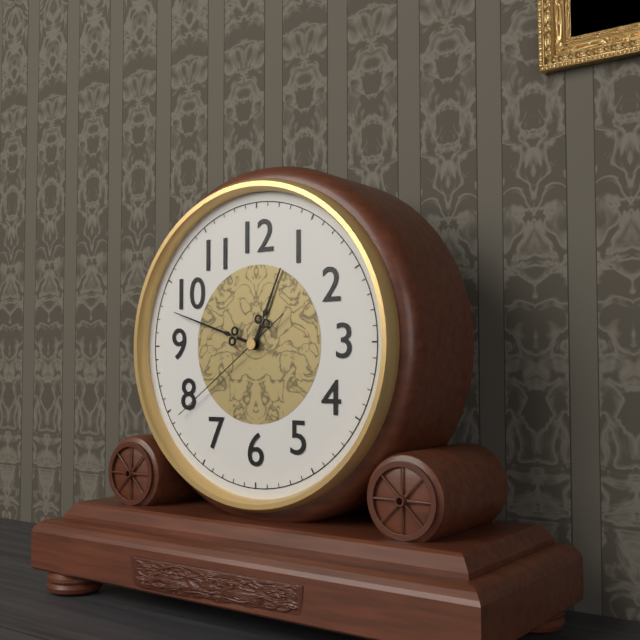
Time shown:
{"hour": 12, "minute": 48, "second": 39}
